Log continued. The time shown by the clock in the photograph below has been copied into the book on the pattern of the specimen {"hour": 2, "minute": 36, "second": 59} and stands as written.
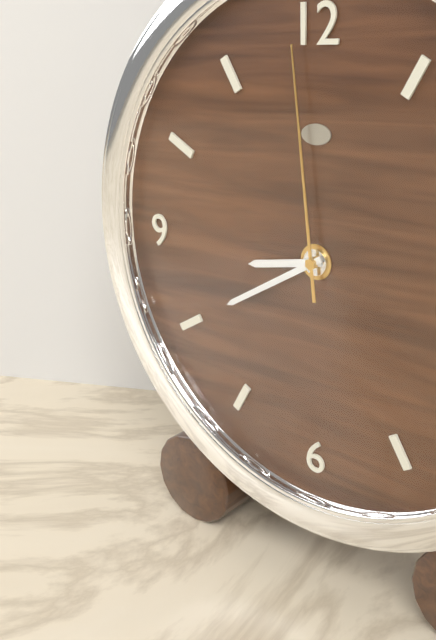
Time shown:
{"hour": 8, "minute": 40, "second": 59}
